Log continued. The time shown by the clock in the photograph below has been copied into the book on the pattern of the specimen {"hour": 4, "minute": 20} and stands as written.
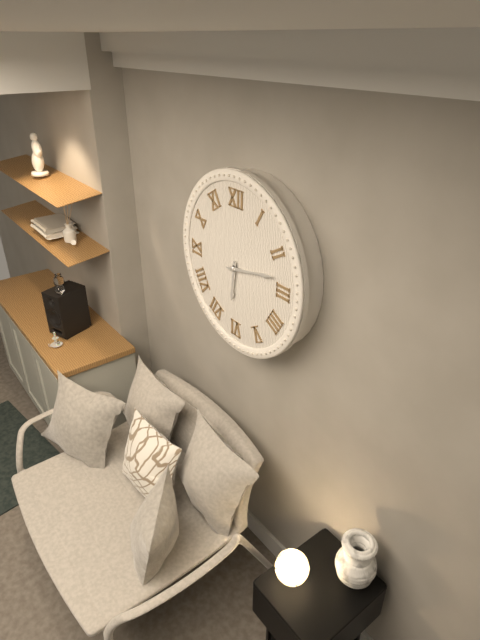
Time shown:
{"hour": 6, "minute": 13}
